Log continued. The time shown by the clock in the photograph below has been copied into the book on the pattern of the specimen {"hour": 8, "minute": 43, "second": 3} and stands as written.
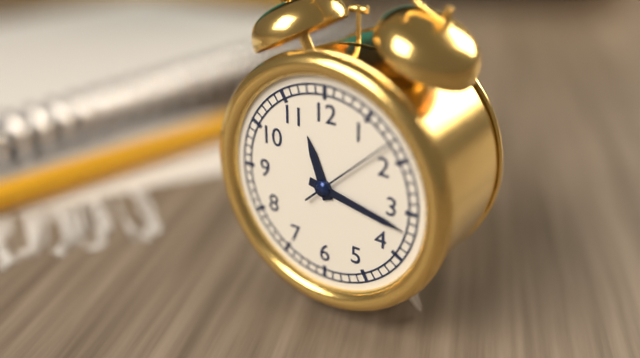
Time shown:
{"hour": 11, "minute": 17, "second": 8}
